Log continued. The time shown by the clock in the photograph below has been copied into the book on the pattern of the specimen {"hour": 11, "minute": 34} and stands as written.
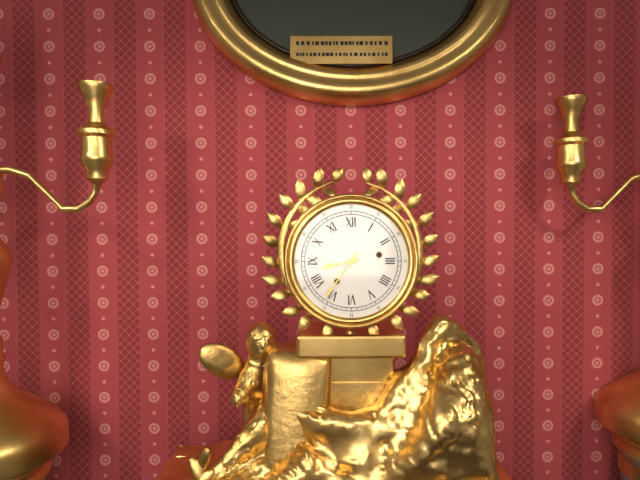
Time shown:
{"hour": 8, "minute": 36}
